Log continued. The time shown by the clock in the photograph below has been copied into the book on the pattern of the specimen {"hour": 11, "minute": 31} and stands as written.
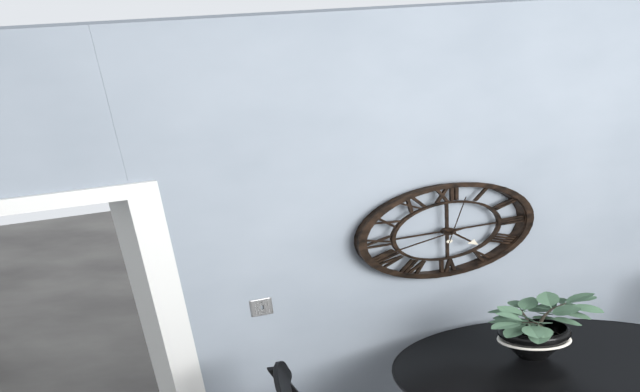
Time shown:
{"hour": 4, "minute": 42}
